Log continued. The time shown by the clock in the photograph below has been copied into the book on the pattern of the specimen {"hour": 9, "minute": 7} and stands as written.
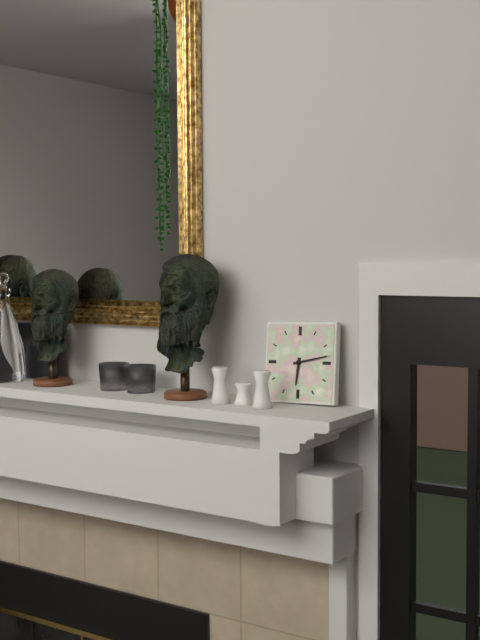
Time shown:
{"hour": 6, "minute": 13}
